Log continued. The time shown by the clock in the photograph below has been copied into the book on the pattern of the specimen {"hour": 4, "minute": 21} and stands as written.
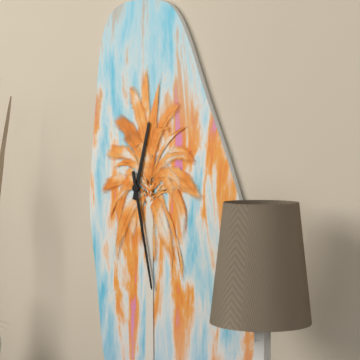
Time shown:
{"hour": 12, "minute": 28}
